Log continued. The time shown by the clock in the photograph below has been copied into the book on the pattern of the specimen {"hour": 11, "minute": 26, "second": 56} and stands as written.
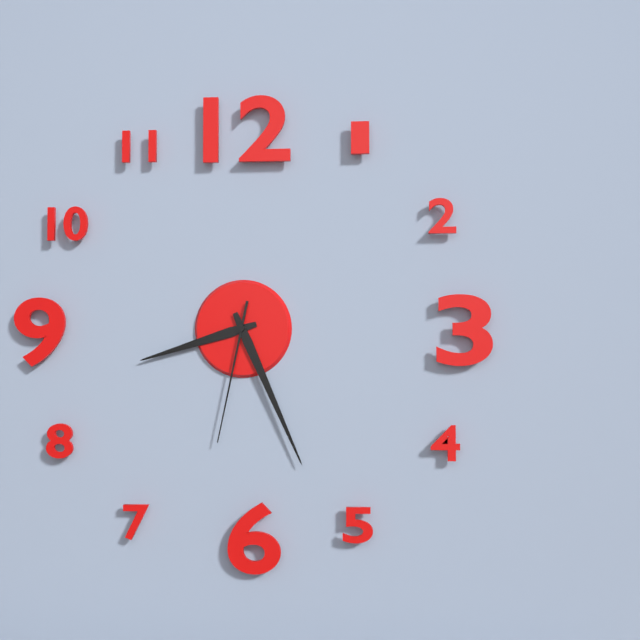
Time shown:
{"hour": 8, "minute": 26, "second": 32}
